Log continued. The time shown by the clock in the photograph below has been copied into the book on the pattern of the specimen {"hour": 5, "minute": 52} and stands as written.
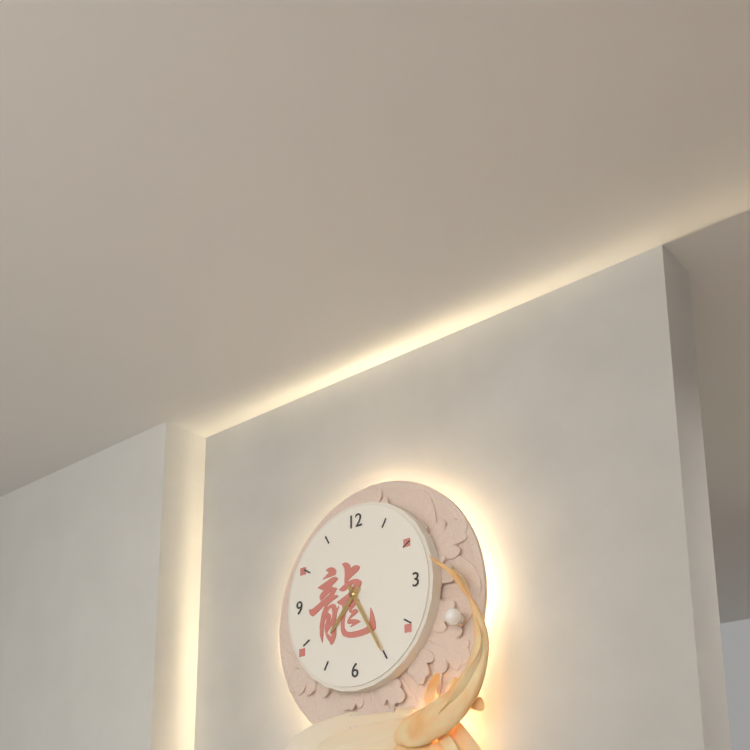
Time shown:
{"hour": 7, "minute": 25}
